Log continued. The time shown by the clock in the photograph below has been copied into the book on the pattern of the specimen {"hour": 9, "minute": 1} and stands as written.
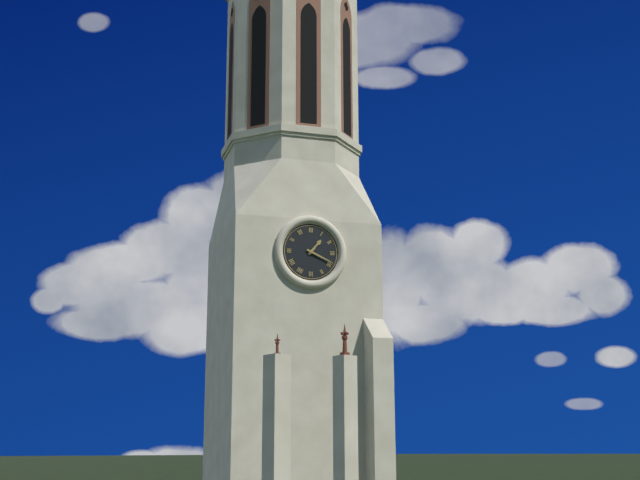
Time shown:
{"hour": 1, "minute": 19}
